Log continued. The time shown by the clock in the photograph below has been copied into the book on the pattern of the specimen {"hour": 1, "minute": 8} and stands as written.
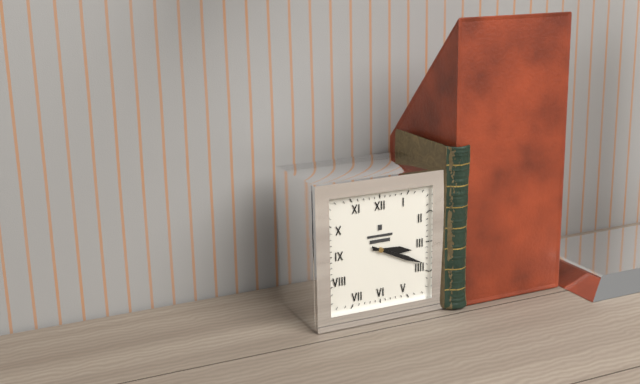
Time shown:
{"hour": 3, "minute": 19}
